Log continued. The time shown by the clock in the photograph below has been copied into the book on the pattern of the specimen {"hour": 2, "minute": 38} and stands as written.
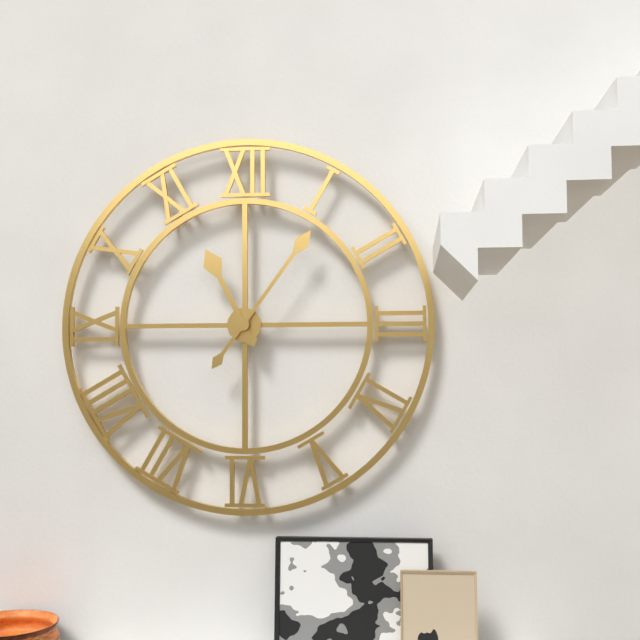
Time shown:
{"hour": 11, "minute": 6}
